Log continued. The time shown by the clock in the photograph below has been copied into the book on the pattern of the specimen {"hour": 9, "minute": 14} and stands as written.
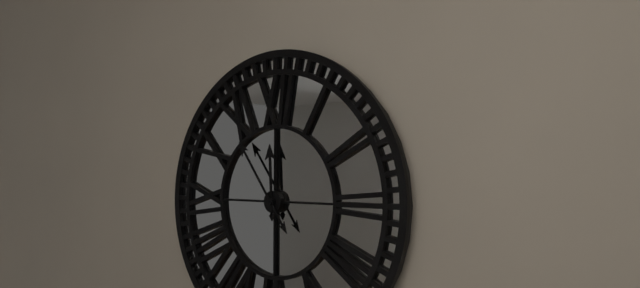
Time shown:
{"hour": 11, "minute": 54}
